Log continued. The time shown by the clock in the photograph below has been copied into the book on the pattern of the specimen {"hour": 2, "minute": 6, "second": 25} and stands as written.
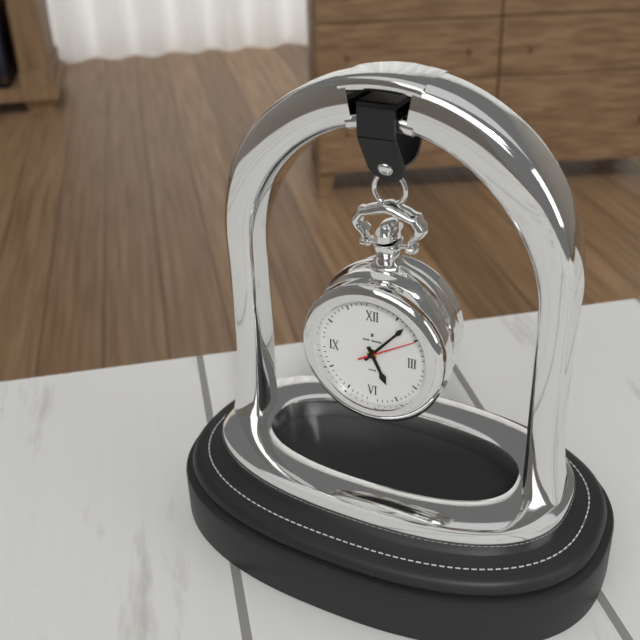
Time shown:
{"hour": 5, "minute": 7, "second": 10}
